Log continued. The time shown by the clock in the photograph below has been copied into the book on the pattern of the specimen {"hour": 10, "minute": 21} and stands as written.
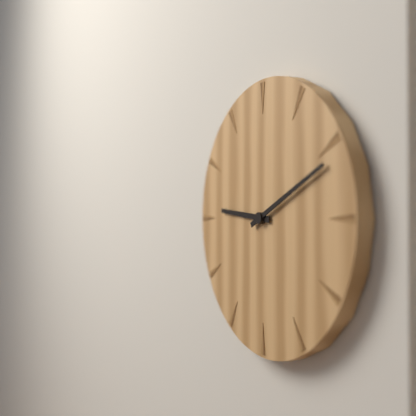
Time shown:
{"hour": 9, "minute": 11}
